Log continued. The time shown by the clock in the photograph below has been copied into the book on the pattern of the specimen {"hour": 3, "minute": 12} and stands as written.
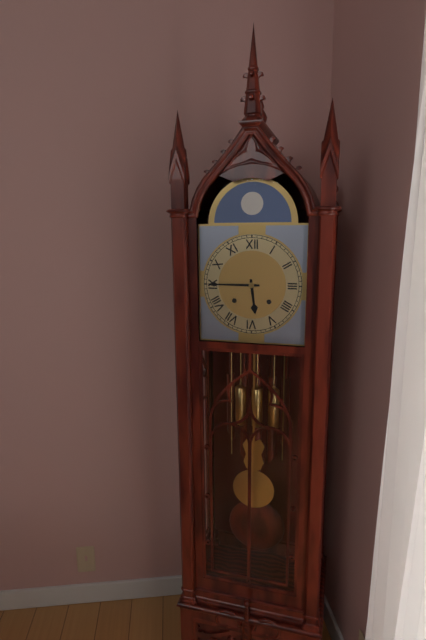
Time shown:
{"hour": 5, "minute": 45}
